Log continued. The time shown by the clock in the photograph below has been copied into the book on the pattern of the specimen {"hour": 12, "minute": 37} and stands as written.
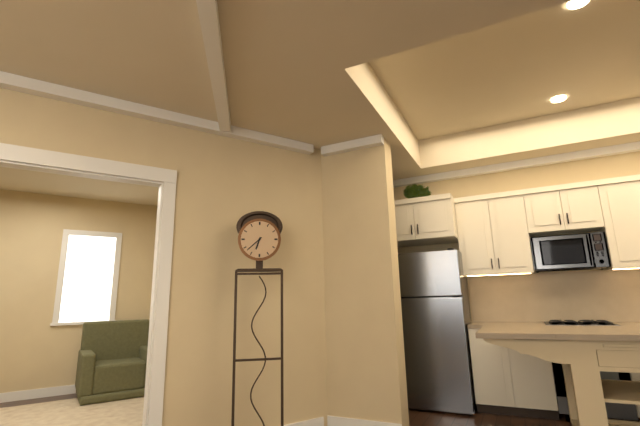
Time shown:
{"hour": 6, "minute": 38}
